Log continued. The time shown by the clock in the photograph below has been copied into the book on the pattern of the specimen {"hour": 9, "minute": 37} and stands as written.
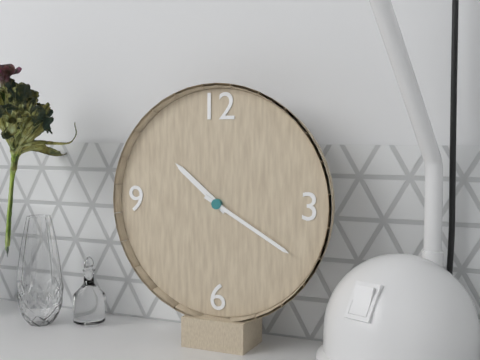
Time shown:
{"hour": 10, "minute": 20}
